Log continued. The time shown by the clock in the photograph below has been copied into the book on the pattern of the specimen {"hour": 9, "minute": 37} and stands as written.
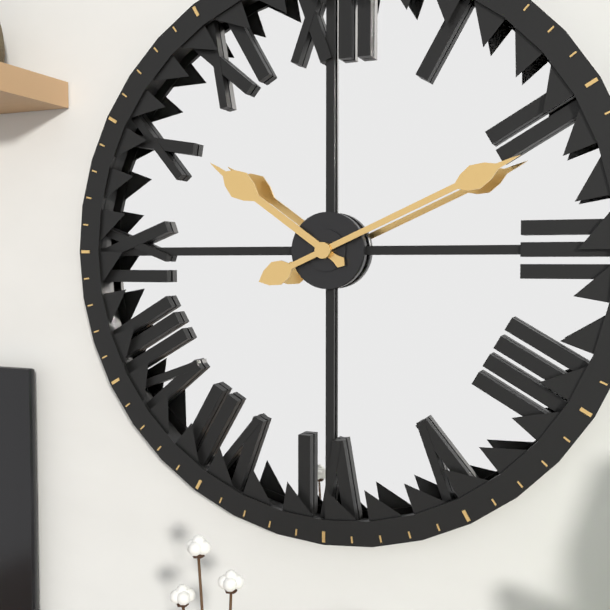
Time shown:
{"hour": 10, "minute": 11}
